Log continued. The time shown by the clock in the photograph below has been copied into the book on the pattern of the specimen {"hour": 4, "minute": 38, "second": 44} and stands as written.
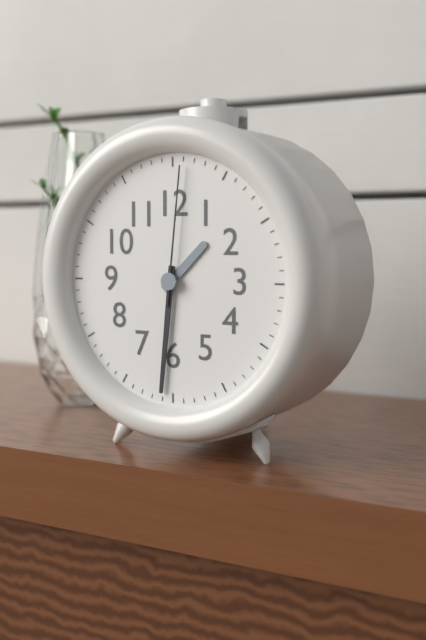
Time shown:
{"hour": 1, "minute": 31, "second": 1}
